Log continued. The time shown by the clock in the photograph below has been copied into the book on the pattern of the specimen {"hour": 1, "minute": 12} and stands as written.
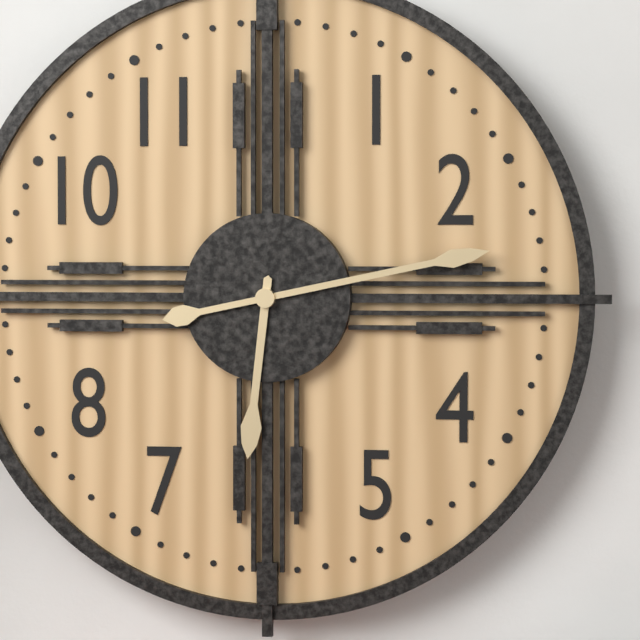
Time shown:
{"hour": 6, "minute": 13}
